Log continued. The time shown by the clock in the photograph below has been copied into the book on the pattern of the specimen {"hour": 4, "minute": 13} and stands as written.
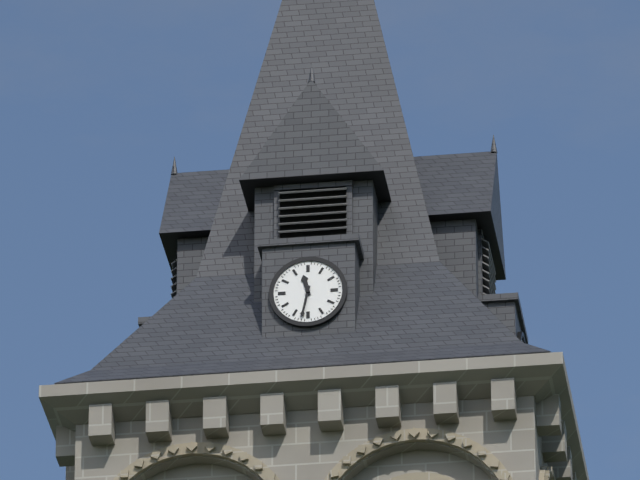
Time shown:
{"hour": 11, "minute": 32}
